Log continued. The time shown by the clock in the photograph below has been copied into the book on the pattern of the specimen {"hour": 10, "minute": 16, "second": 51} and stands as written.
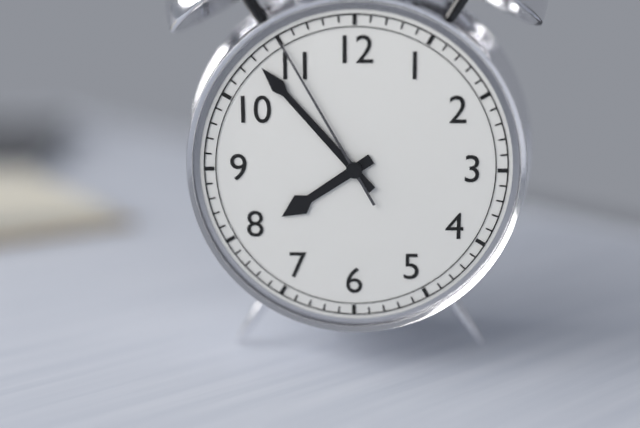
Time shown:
{"hour": 7, "minute": 53, "second": 55}
